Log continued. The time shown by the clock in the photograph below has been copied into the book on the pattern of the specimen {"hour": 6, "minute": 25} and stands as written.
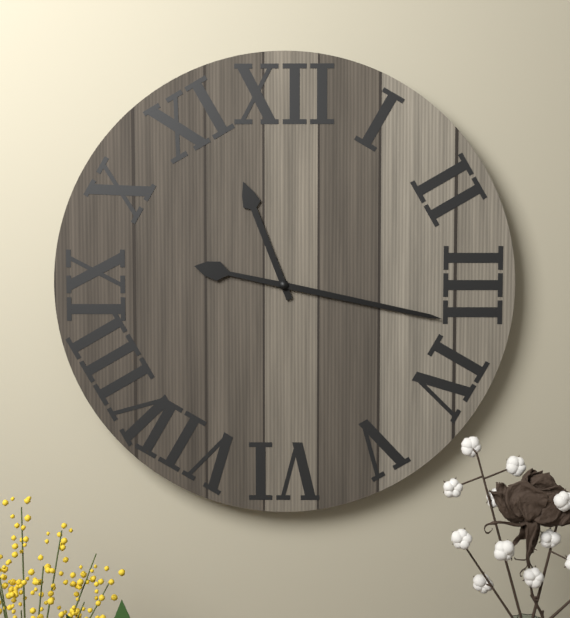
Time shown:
{"hour": 11, "minute": 17}
